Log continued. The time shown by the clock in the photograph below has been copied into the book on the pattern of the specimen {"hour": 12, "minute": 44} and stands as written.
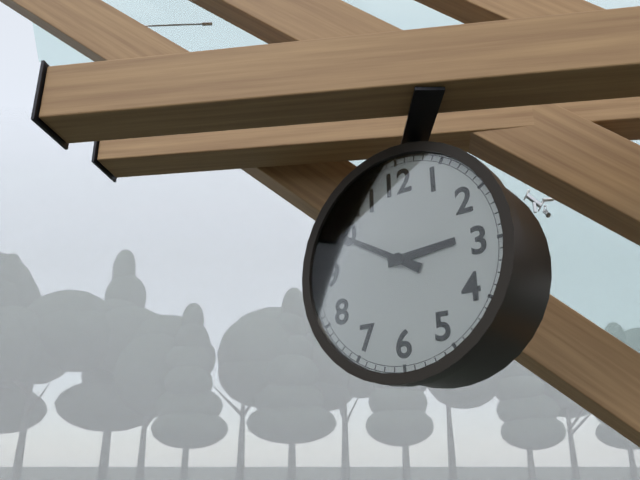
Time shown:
{"hour": 2, "minute": 50}
